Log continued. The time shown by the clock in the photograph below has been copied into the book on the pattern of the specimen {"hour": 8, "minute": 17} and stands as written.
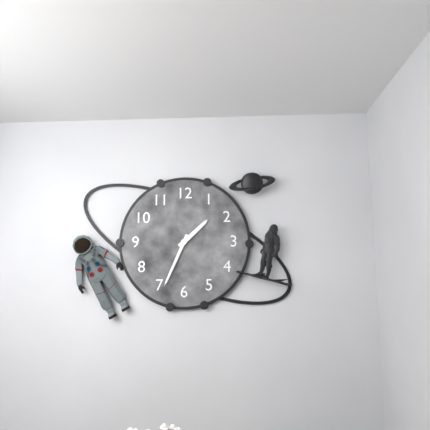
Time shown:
{"hour": 1, "minute": 34}
